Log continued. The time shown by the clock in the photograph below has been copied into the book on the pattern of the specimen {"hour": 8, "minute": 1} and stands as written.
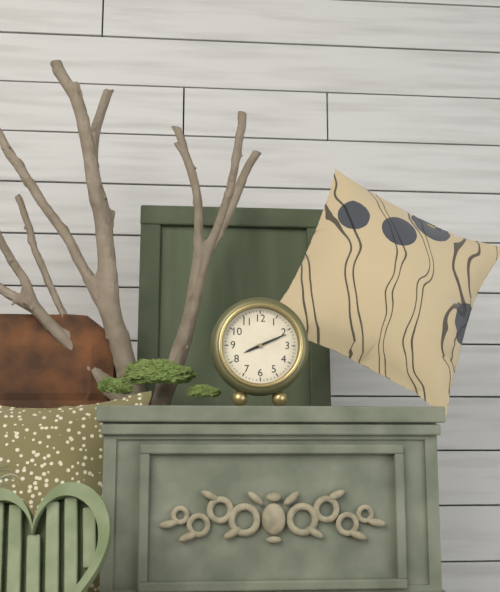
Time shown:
{"hour": 8, "minute": 11}
